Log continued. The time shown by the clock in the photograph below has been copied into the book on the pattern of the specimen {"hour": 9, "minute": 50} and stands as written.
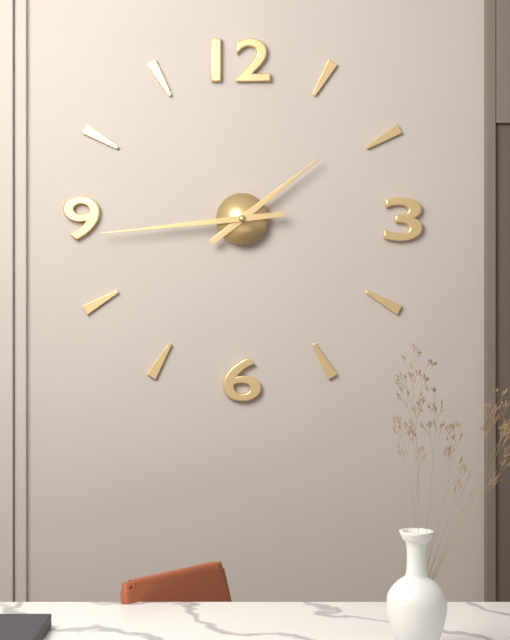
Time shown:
{"hour": 1, "minute": 44}
